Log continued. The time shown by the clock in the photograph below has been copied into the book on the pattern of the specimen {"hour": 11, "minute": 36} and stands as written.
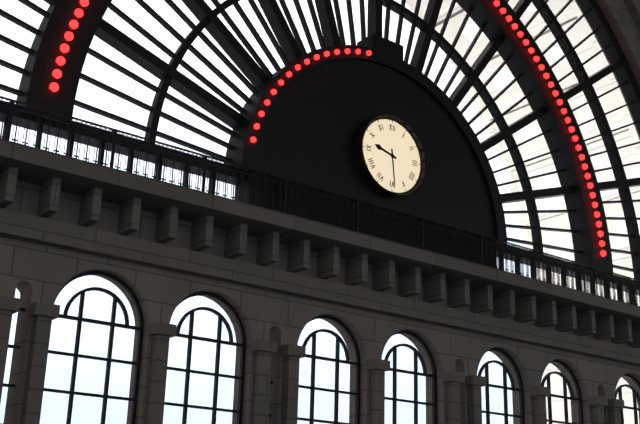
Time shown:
{"hour": 9, "minute": 29}
